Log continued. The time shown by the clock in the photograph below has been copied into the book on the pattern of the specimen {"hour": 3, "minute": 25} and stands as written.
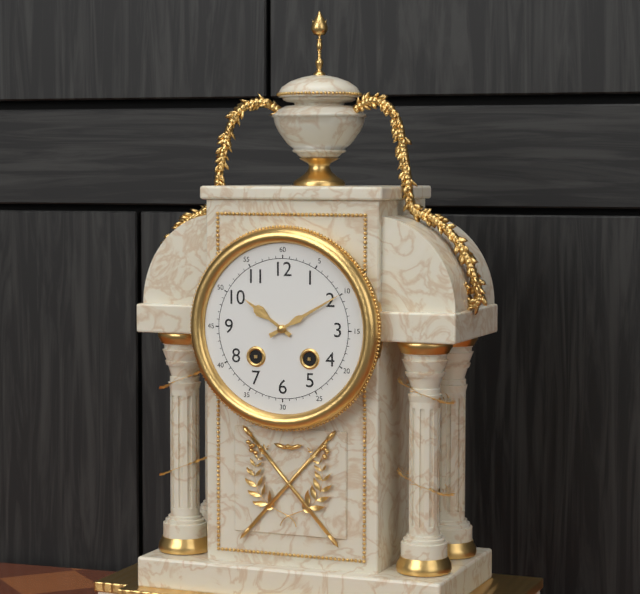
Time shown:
{"hour": 10, "minute": 10}
